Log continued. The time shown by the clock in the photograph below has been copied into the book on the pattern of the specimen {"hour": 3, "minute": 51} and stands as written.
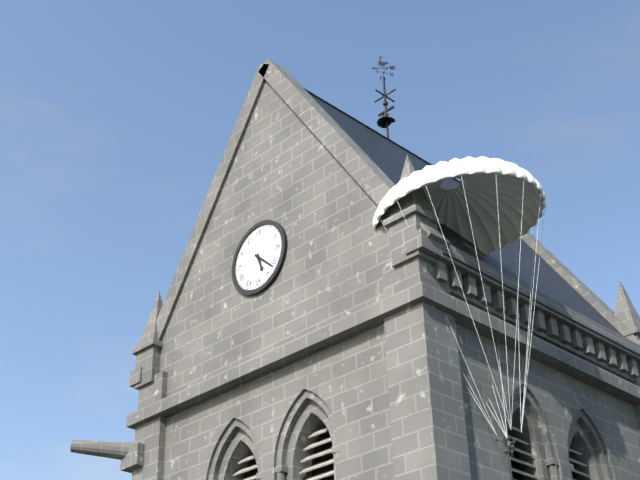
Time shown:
{"hour": 5, "minute": 22}
